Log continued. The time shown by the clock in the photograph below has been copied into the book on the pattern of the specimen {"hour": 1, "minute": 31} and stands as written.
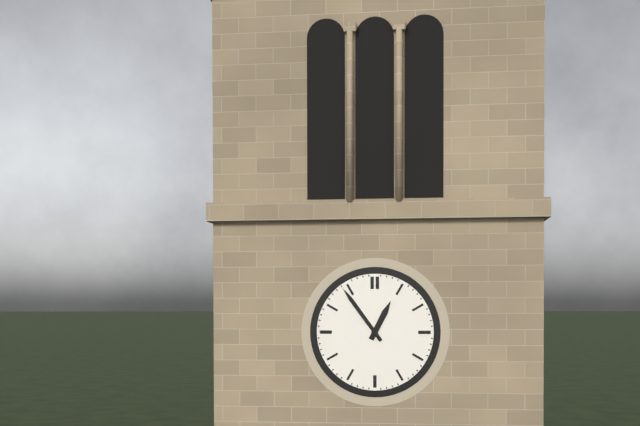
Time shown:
{"hour": 12, "minute": 54}
